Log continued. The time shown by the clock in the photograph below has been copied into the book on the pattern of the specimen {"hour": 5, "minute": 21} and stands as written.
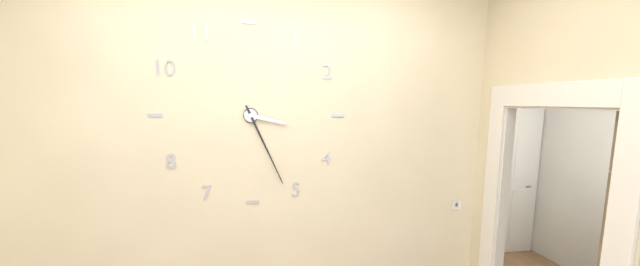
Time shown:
{"hour": 3, "minute": 26}
